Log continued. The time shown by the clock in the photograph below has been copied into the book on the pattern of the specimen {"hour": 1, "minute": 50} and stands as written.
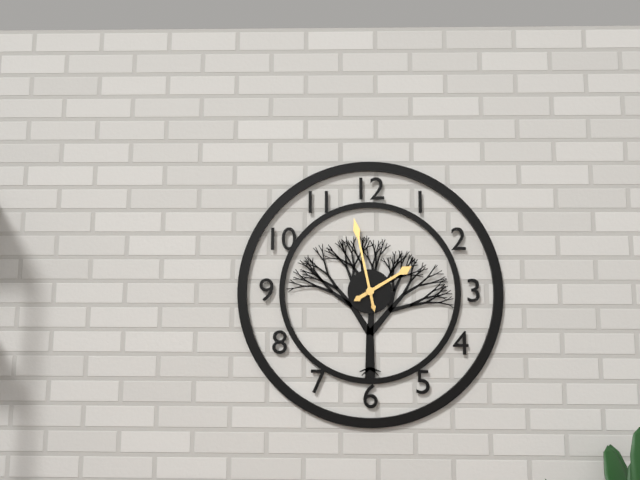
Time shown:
{"hour": 1, "minute": 58}
